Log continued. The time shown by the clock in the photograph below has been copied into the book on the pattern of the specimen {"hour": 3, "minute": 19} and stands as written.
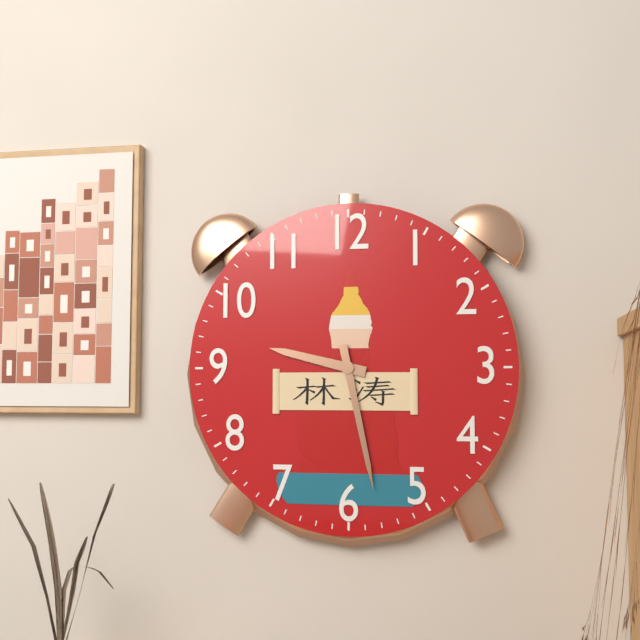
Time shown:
{"hour": 9, "minute": 28}
